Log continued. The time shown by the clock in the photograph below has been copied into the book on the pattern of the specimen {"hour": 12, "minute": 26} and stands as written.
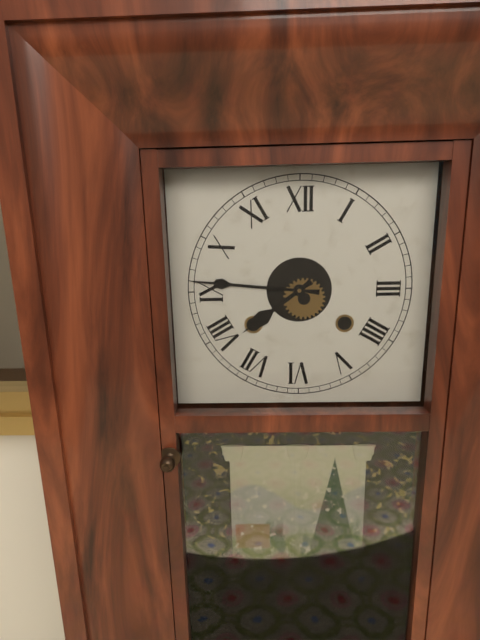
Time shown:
{"hour": 7, "minute": 46}
